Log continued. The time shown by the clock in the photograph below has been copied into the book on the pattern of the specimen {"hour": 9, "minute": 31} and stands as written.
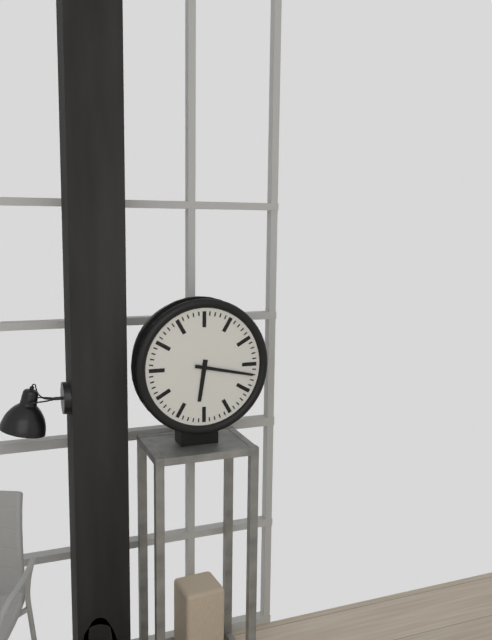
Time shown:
{"hour": 6, "minute": 17}
